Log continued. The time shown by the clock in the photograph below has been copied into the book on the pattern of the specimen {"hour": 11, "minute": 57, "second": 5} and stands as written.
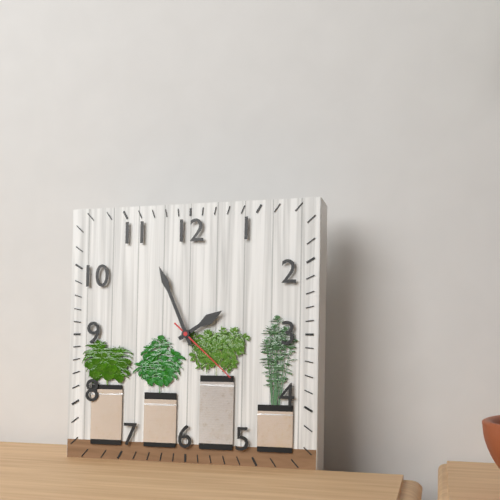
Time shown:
{"hour": 1, "minute": 56, "second": 22}
